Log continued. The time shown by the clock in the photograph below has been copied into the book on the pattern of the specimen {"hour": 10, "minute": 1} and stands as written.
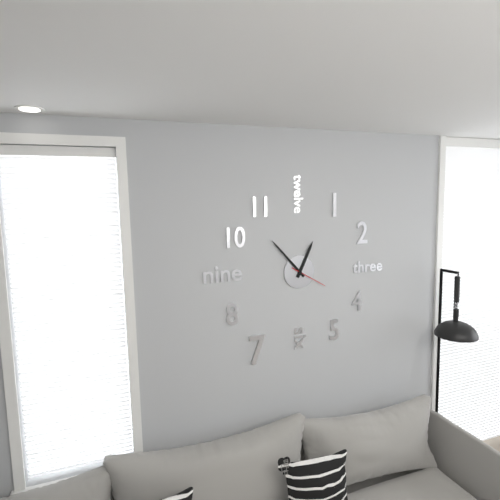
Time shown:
{"hour": 12, "minute": 53}
